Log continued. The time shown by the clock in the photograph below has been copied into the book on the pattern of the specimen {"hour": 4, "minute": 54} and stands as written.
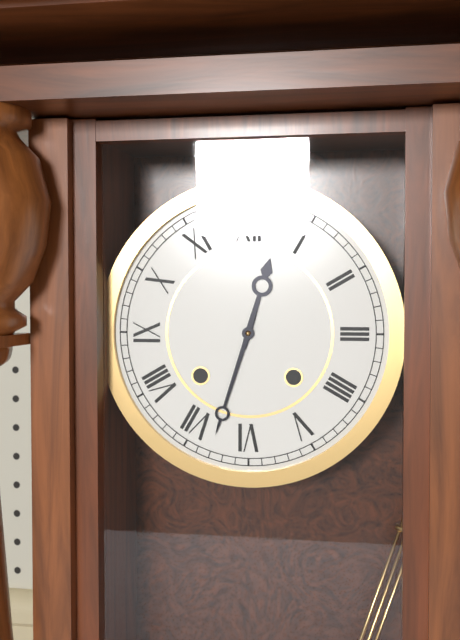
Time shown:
{"hour": 12, "minute": 33}
